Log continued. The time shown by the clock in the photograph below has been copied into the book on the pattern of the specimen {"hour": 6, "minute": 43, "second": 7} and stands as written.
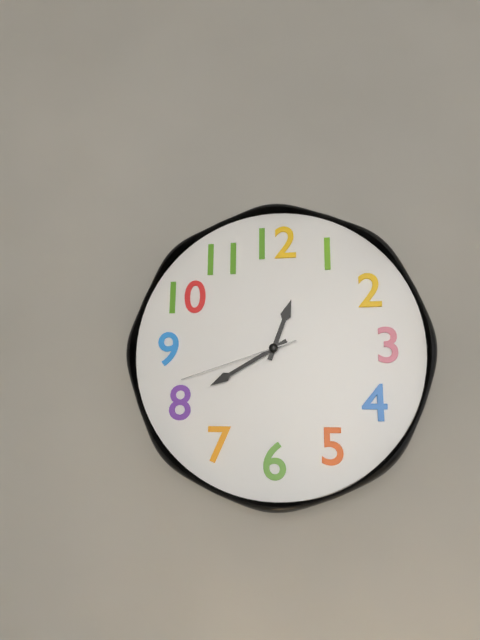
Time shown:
{"hour": 12, "minute": 40, "second": 42}
